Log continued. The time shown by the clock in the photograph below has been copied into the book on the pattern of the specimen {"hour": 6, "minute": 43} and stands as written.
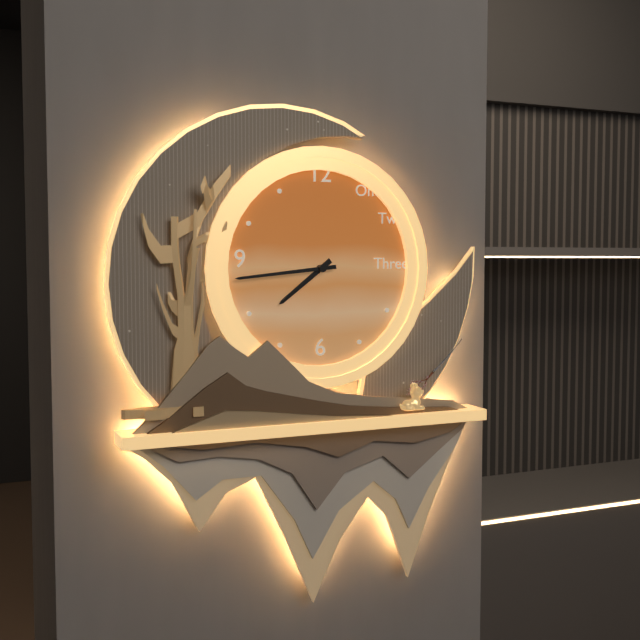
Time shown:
{"hour": 7, "minute": 44}
